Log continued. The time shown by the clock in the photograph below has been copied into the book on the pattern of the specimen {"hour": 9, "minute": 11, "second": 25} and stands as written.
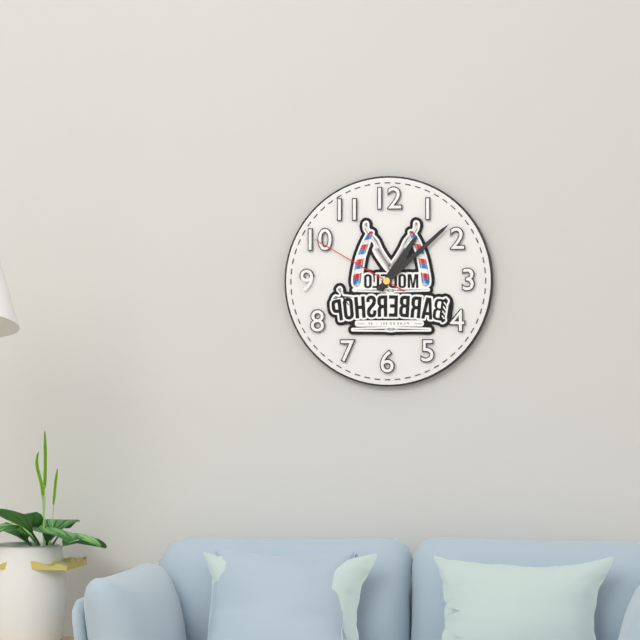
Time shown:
{"hour": 1, "minute": 8, "second": 50}
